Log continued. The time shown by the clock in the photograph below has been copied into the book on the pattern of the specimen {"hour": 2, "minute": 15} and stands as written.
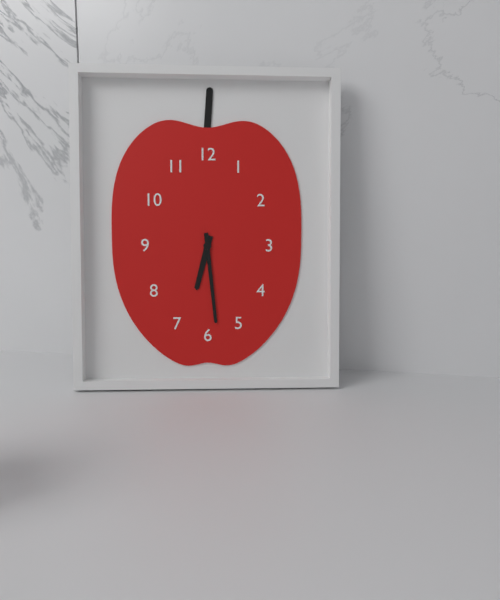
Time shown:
{"hour": 6, "minute": 29}
